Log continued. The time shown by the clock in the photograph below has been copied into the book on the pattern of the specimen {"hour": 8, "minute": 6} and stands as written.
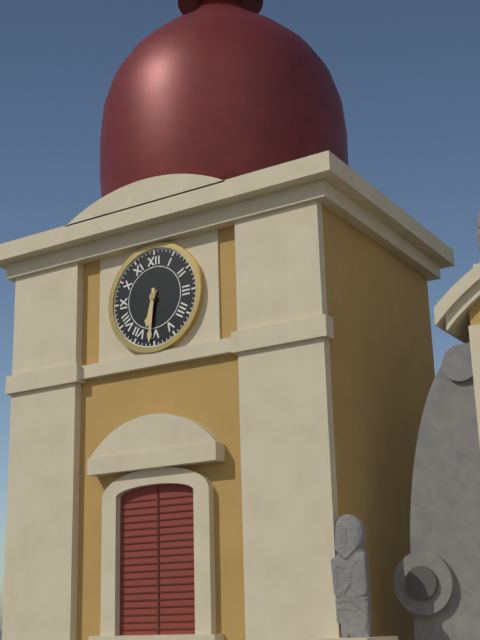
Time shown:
{"hour": 6, "minute": 31}
